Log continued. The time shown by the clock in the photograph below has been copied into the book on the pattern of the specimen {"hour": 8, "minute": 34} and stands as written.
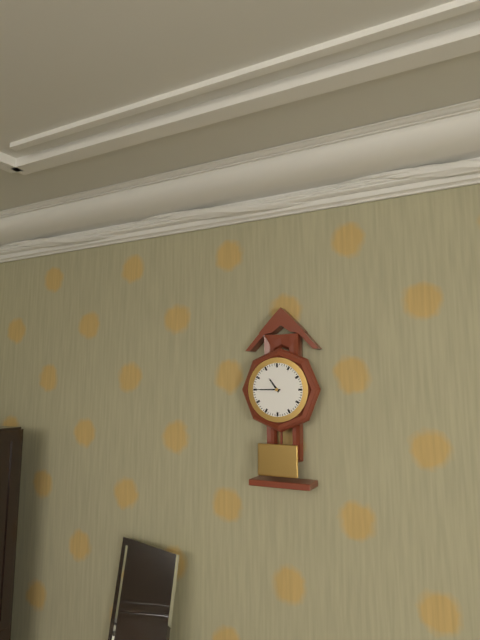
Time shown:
{"hour": 10, "minute": 45}
